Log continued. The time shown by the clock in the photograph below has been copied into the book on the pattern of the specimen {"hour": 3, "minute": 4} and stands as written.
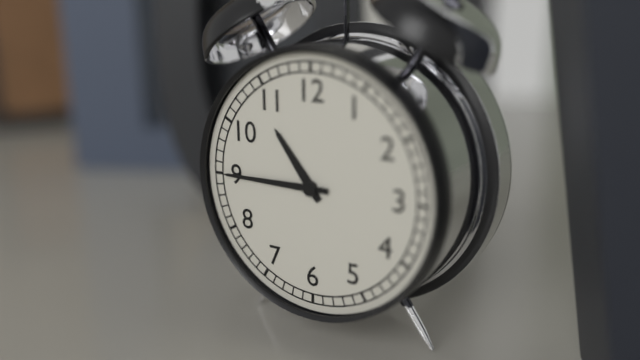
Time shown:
{"hour": 10, "minute": 45}
